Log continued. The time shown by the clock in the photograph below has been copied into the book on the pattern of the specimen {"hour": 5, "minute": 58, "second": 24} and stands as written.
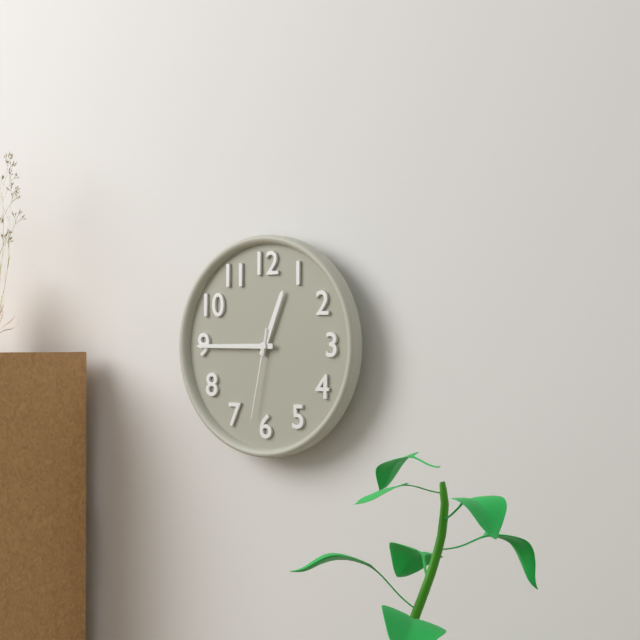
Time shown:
{"hour": 12, "minute": 45, "second": 32}
